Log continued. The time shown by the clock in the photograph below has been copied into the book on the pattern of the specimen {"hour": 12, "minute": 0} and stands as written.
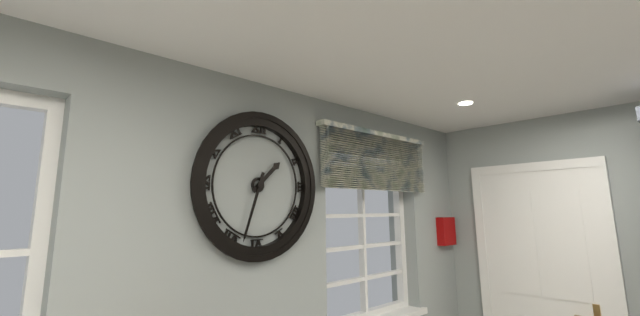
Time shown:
{"hour": 1, "minute": 33}
